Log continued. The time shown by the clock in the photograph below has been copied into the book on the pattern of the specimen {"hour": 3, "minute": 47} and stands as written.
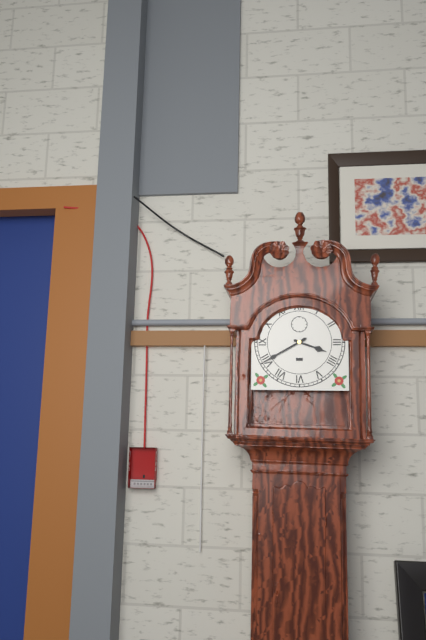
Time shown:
{"hour": 3, "minute": 40}
